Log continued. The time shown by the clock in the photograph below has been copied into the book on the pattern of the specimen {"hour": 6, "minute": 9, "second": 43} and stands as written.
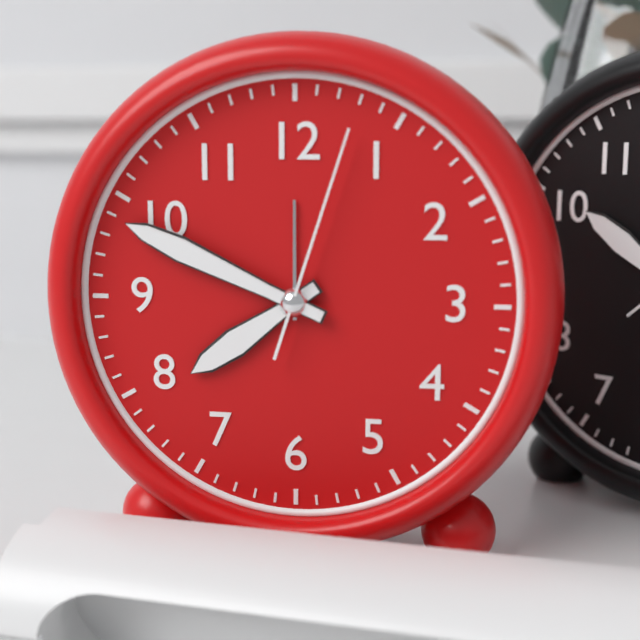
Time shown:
{"hour": 7, "minute": 49, "second": 3}
